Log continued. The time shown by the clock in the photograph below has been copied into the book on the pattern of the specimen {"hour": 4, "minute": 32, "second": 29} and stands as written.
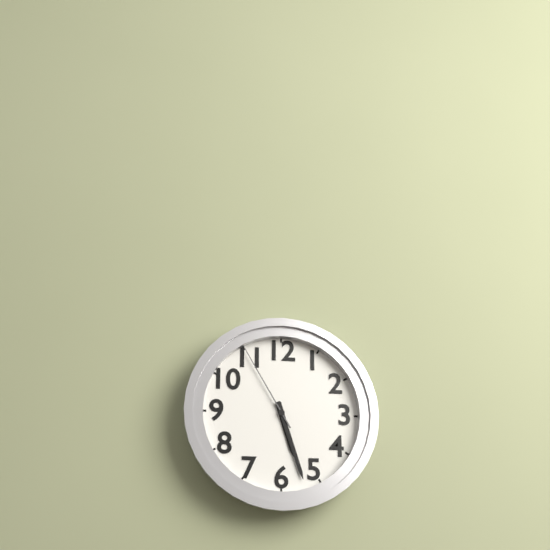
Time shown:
{"hour": 5, "minute": 27, "second": 55}
